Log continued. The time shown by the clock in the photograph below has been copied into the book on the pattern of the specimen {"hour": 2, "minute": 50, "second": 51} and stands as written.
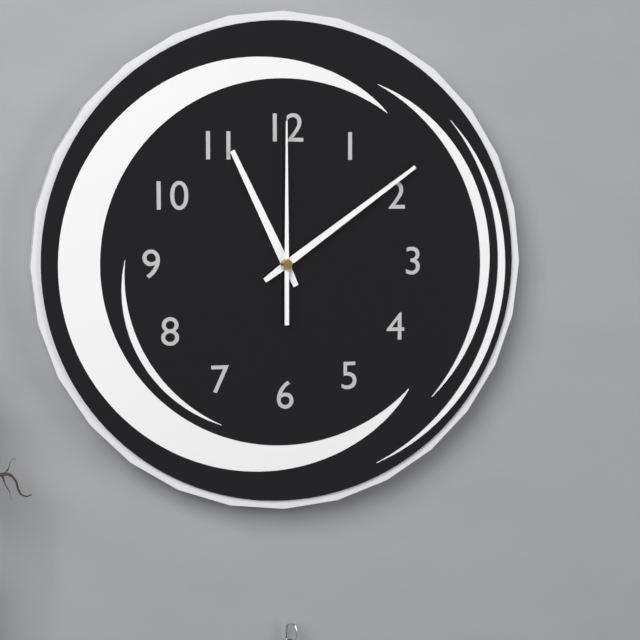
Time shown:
{"hour": 11, "minute": 9, "second": 0}
